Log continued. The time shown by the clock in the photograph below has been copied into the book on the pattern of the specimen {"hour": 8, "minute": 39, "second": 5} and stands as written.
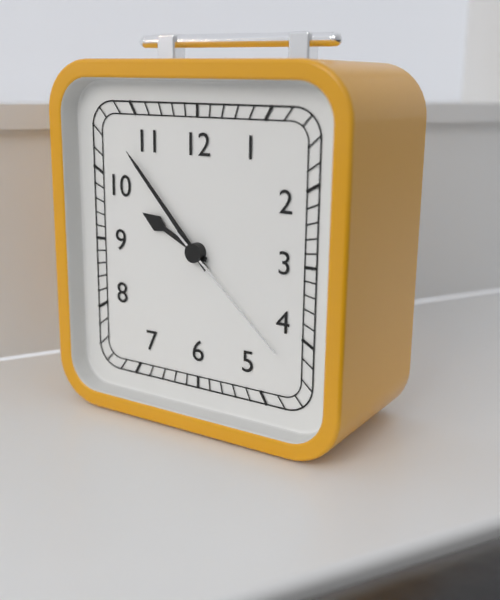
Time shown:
{"hour": 9, "minute": 53, "second": 22}
